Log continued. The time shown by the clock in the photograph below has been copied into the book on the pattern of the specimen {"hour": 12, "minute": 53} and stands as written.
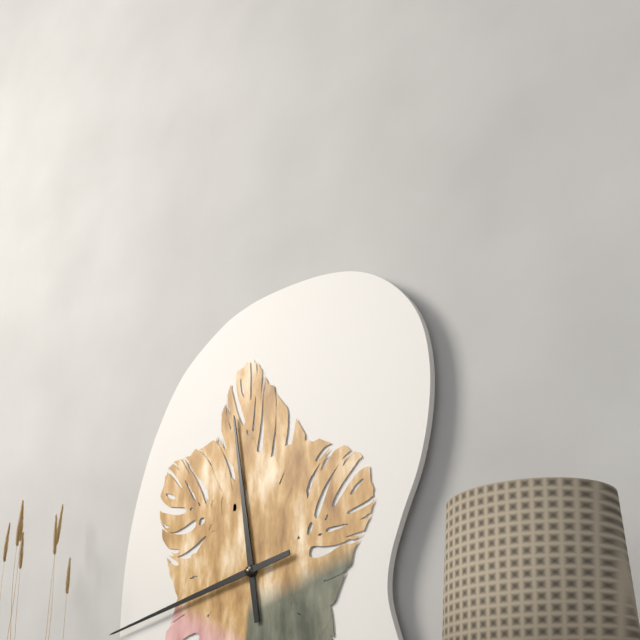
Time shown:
{"hour": 11, "minute": 43}
